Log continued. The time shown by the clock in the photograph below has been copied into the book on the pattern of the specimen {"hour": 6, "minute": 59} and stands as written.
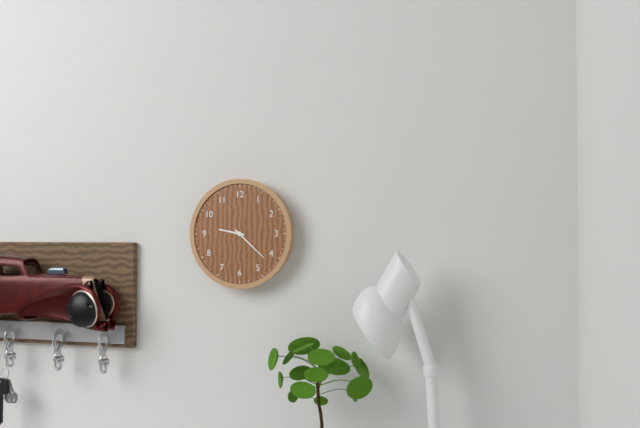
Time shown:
{"hour": 9, "minute": 22}
